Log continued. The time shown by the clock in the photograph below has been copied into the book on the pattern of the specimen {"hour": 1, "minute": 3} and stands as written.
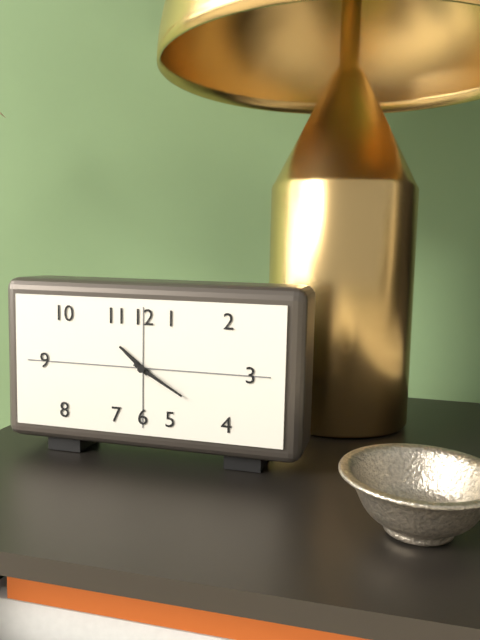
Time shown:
{"hour": 10, "minute": 20}
